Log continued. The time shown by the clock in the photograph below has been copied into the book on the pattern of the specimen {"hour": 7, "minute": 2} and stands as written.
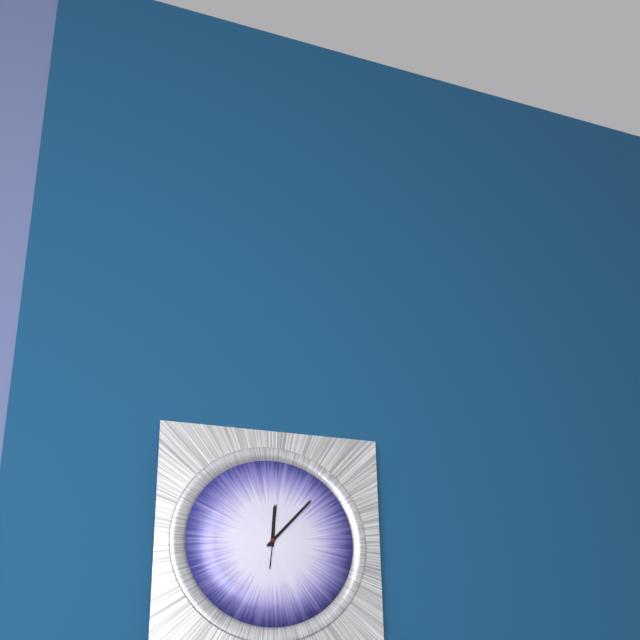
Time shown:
{"hour": 12, "minute": 7}
